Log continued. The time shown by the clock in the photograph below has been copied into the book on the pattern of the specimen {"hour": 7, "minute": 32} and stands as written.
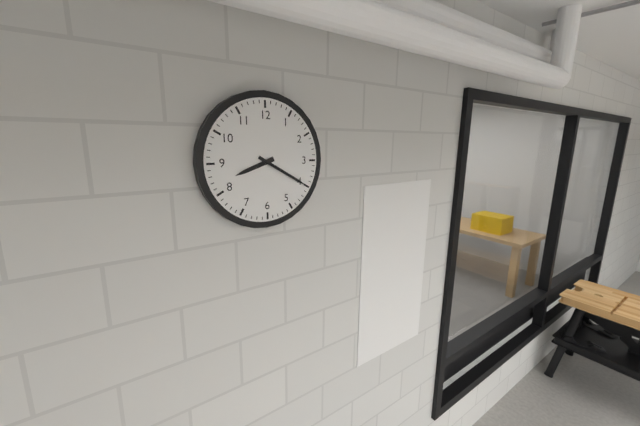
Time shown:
{"hour": 8, "minute": 20}
